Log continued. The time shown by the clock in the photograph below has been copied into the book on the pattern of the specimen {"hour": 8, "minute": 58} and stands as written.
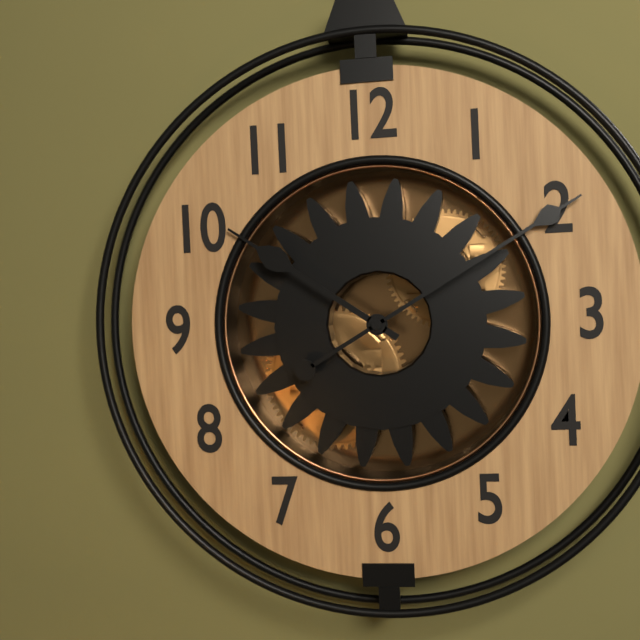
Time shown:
{"hour": 10, "minute": 10}
